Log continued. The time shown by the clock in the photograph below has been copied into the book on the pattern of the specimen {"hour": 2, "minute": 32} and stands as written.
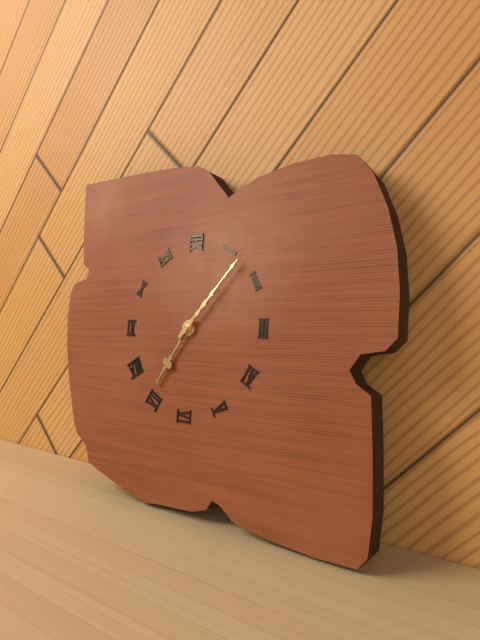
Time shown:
{"hour": 7, "minute": 7}
